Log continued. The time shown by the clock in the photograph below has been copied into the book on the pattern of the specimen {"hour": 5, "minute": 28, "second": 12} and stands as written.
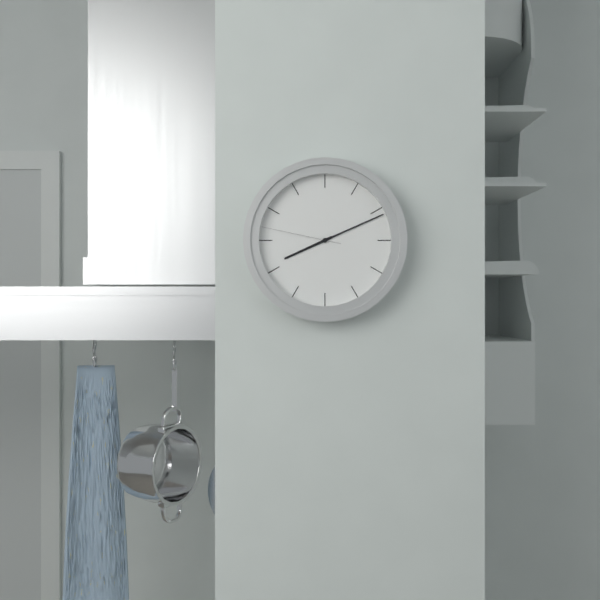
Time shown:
{"hour": 8, "minute": 11, "second": 47}
